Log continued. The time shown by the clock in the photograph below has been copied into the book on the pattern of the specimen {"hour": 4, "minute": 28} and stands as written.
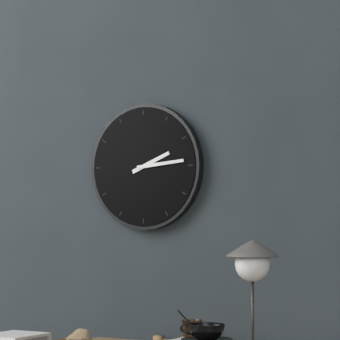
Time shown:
{"hour": 2, "minute": 14}
